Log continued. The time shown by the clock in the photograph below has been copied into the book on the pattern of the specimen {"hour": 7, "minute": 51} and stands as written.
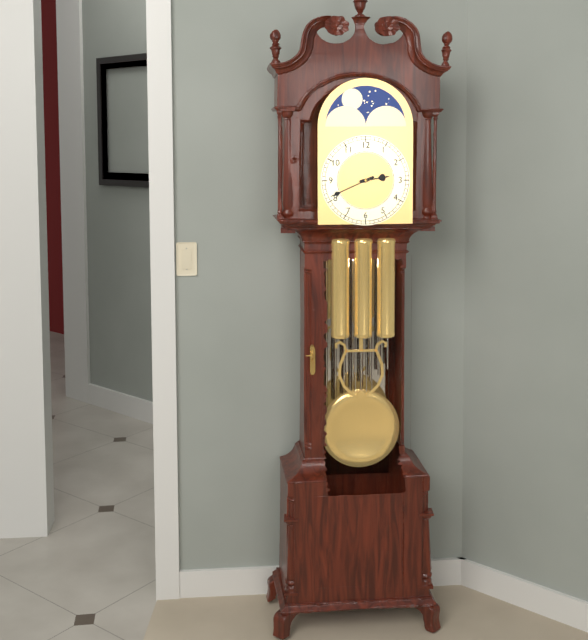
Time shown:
{"hour": 2, "minute": 41}
